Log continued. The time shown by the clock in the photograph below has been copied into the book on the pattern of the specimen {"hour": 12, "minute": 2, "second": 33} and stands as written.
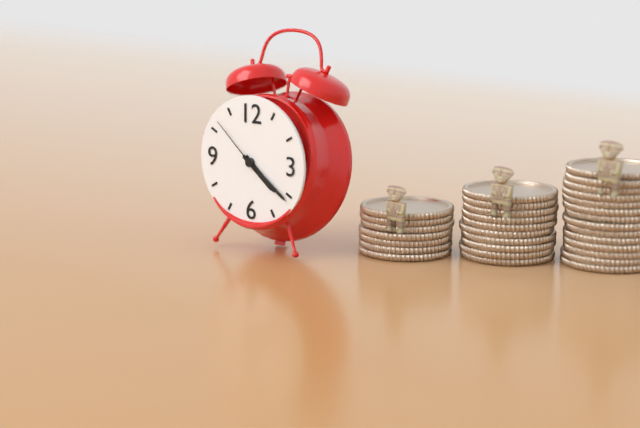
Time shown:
{"hour": 4, "minute": 21, "second": 52}
